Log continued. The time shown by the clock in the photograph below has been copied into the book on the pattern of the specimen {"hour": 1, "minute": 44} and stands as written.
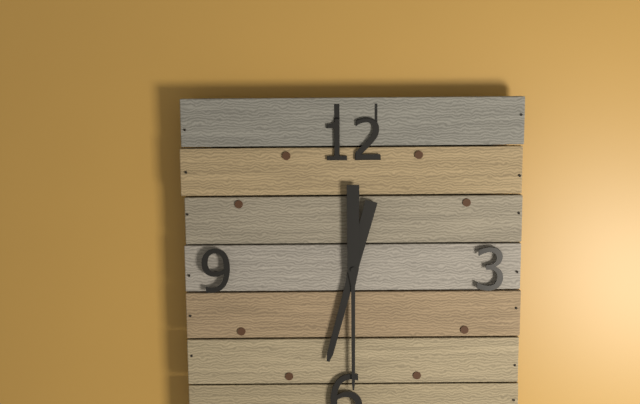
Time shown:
{"hour": 6, "minute": 30}
